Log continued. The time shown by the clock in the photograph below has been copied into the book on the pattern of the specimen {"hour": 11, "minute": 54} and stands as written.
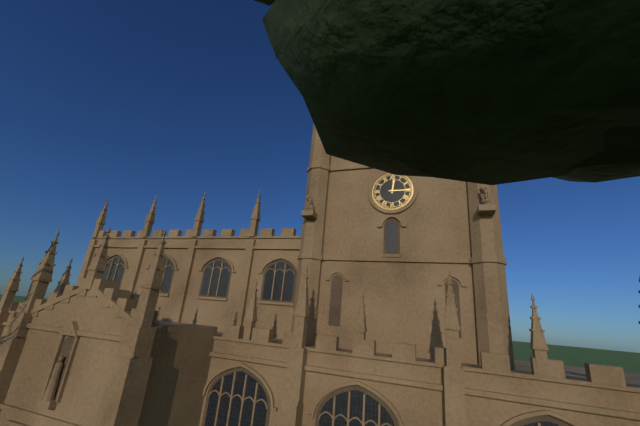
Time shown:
{"hour": 12, "minute": 15}
